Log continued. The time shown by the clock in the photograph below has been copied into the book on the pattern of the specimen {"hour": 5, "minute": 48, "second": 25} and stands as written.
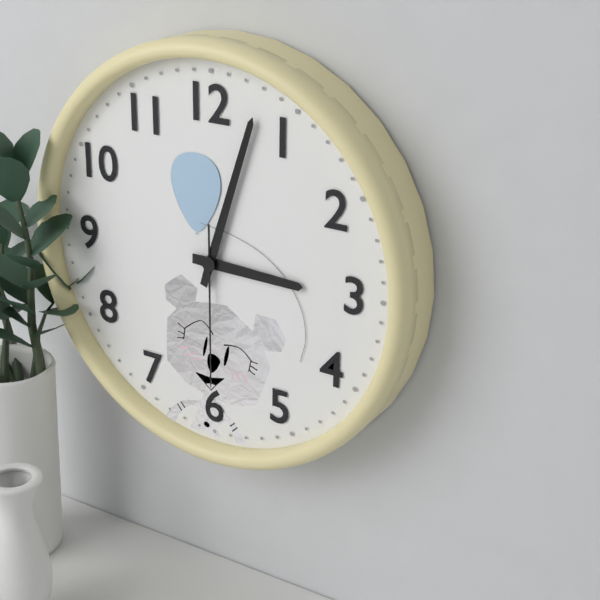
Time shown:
{"hour": 3, "minute": 3, "second": 30}
